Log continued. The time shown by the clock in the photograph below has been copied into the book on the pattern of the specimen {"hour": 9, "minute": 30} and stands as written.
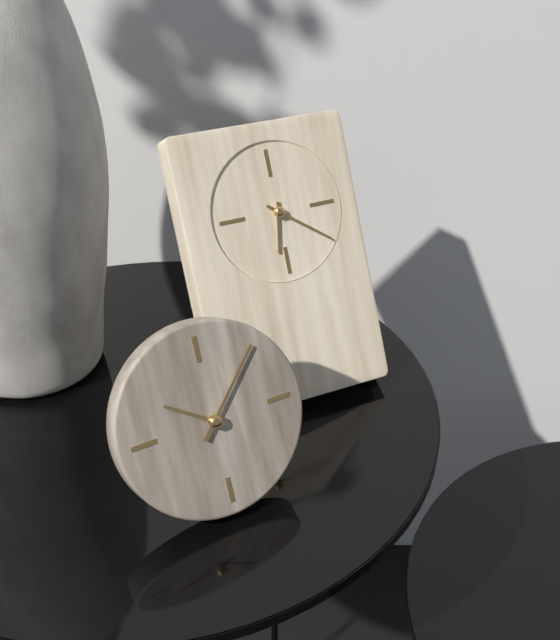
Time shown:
{"hour": 6, "minute": 21}
